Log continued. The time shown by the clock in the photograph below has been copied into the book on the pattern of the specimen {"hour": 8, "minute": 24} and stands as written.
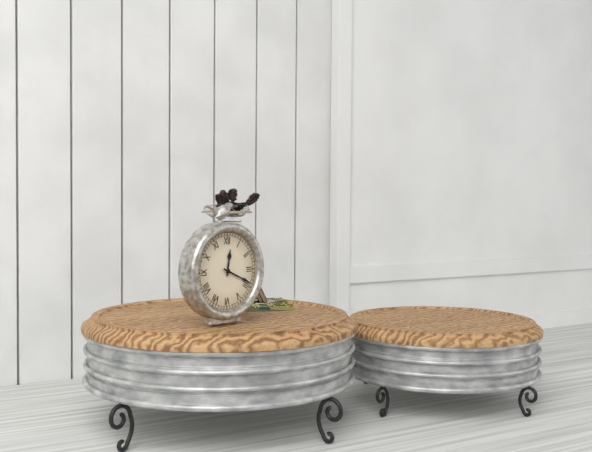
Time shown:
{"hour": 12, "minute": 19}
